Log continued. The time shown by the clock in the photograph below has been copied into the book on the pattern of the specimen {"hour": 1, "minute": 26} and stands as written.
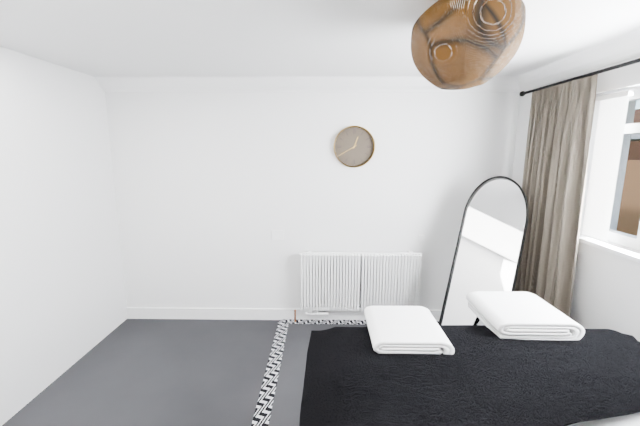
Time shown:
{"hour": 12, "minute": 40}
